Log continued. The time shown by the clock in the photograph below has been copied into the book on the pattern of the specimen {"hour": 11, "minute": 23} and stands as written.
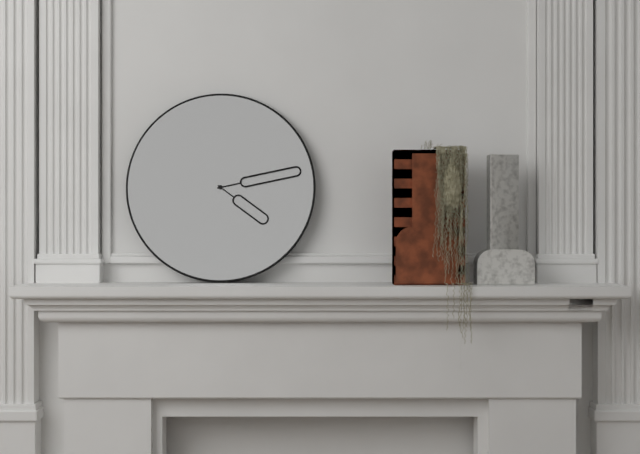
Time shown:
{"hour": 4, "minute": 13}
